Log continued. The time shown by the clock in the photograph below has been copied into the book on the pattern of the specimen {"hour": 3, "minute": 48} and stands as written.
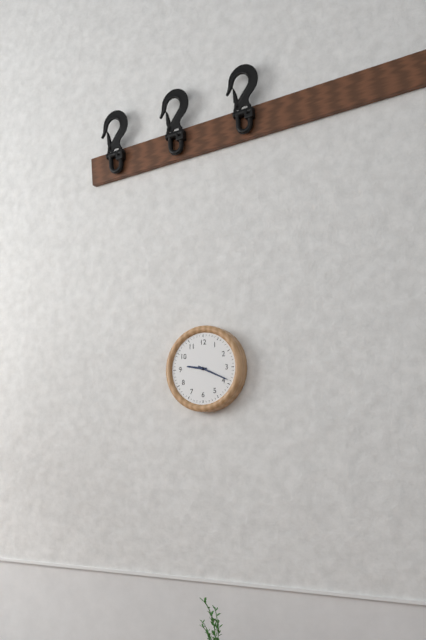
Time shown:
{"hour": 9, "minute": 19}
